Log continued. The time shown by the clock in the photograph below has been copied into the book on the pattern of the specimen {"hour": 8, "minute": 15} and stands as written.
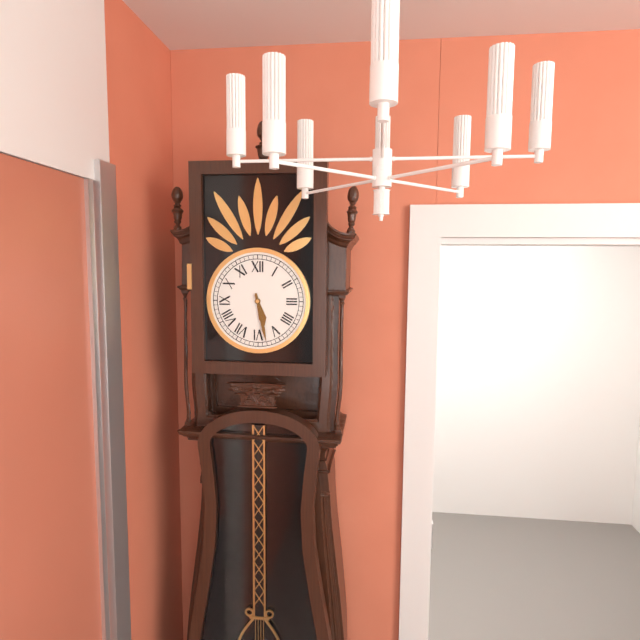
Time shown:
{"hour": 5, "minute": 28}
